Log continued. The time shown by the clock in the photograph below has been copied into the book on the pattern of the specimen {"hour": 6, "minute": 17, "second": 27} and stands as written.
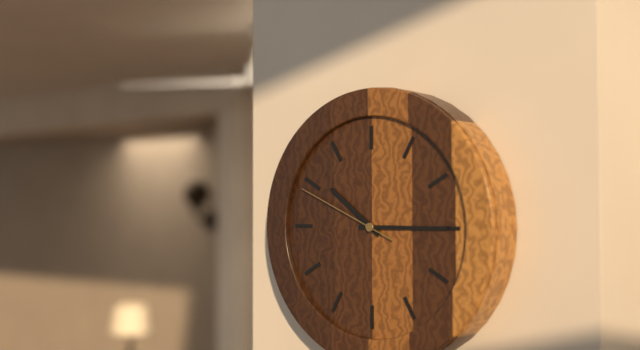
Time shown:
{"hour": 10, "minute": 15, "second": 49}
